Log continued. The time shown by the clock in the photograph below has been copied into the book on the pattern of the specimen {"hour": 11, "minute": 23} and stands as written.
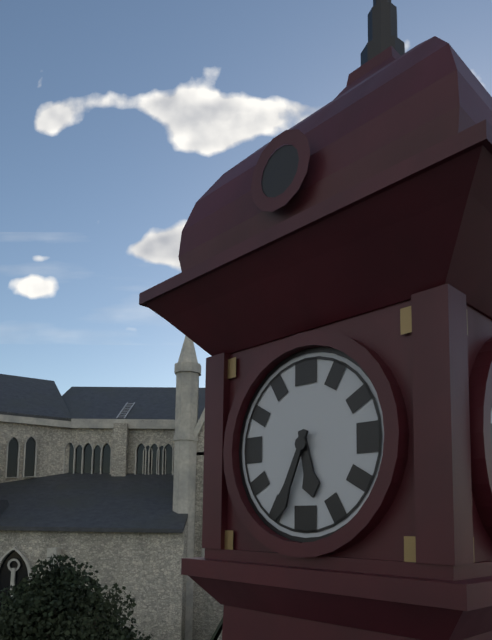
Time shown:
{"hour": 5, "minute": 34}
